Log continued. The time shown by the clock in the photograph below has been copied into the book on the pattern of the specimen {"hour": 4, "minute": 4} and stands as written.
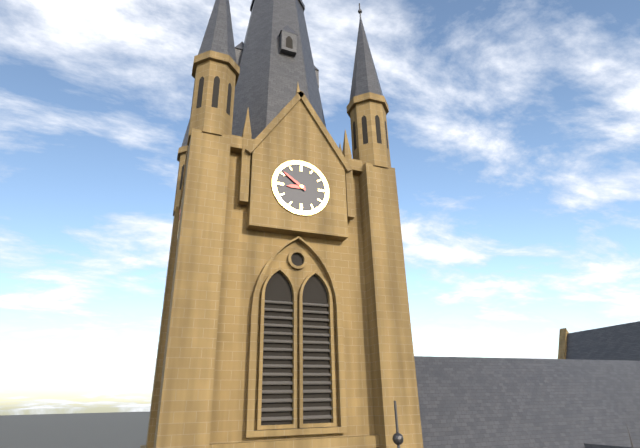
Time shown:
{"hour": 8, "minute": 51}
